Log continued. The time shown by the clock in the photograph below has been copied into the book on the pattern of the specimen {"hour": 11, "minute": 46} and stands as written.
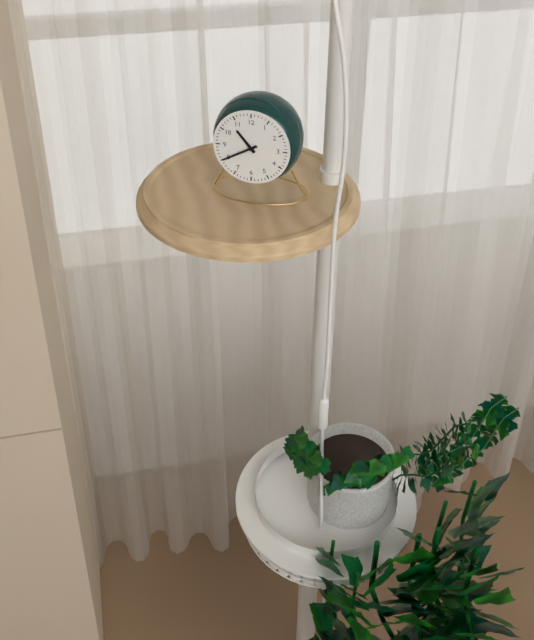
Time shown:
{"hour": 10, "minute": 40}
